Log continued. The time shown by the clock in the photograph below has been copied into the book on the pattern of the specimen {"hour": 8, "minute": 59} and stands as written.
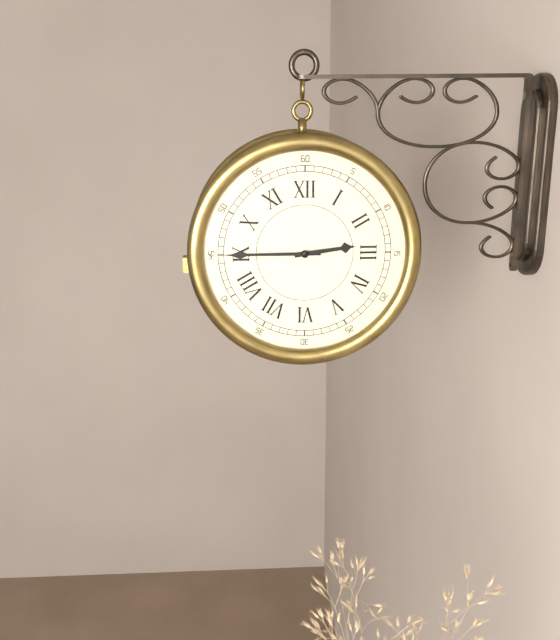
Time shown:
{"hour": 2, "minute": 45}
